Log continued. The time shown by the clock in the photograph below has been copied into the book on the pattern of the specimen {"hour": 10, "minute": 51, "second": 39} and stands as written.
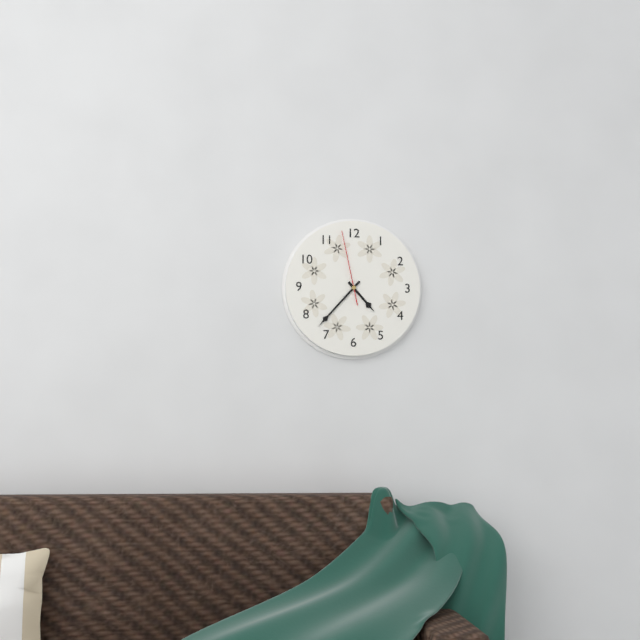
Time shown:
{"hour": 4, "minute": 37, "second": 58}
